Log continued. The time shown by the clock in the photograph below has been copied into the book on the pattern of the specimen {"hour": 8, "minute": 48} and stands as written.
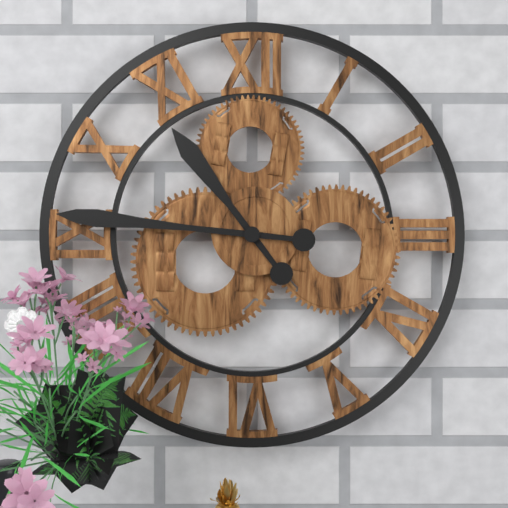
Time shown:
{"hour": 10, "minute": 46}
